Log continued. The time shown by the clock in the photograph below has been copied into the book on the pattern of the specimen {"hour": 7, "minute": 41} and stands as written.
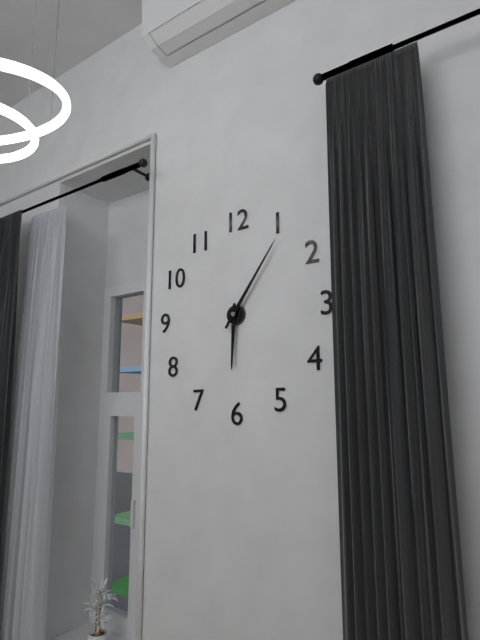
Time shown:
{"hour": 6, "minute": 6}
